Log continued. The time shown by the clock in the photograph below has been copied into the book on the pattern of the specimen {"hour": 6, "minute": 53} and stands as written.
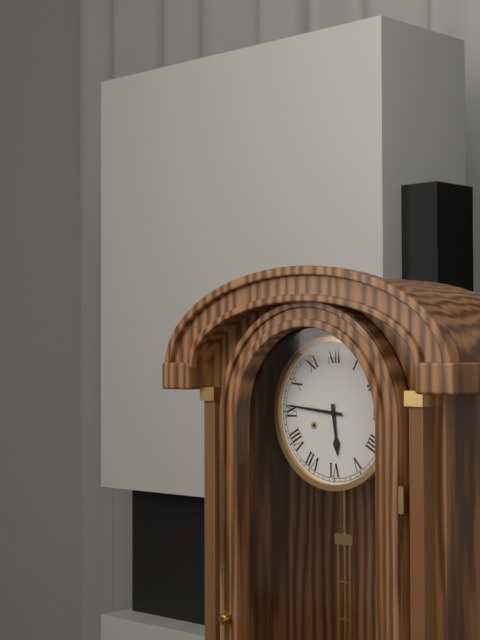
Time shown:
{"hour": 5, "minute": 46}
